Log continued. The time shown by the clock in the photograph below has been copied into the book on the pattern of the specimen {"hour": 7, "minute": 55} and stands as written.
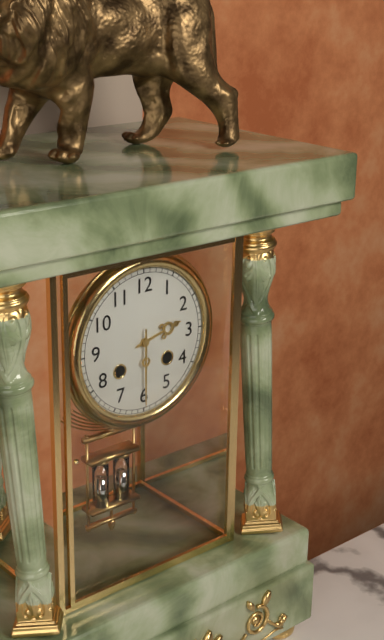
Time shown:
{"hour": 2, "minute": 30}
